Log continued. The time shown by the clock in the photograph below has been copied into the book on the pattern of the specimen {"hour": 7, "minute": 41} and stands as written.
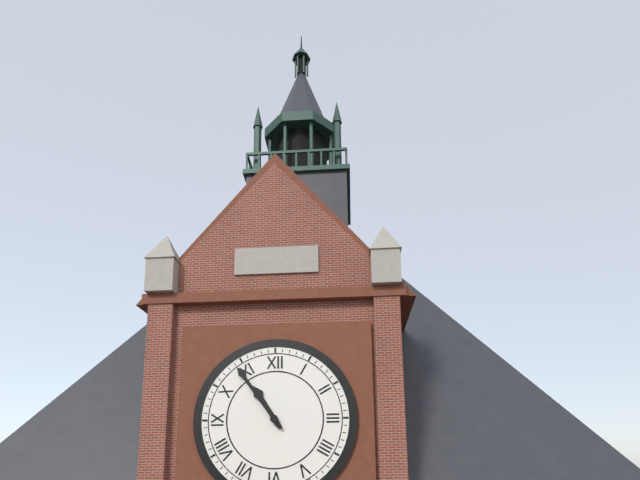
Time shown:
{"hour": 10, "minute": 54}
